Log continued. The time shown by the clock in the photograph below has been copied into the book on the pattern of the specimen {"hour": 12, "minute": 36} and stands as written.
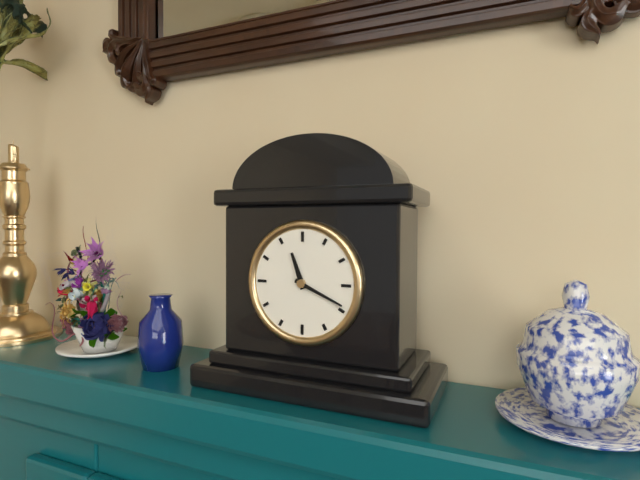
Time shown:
{"hour": 11, "minute": 19}
